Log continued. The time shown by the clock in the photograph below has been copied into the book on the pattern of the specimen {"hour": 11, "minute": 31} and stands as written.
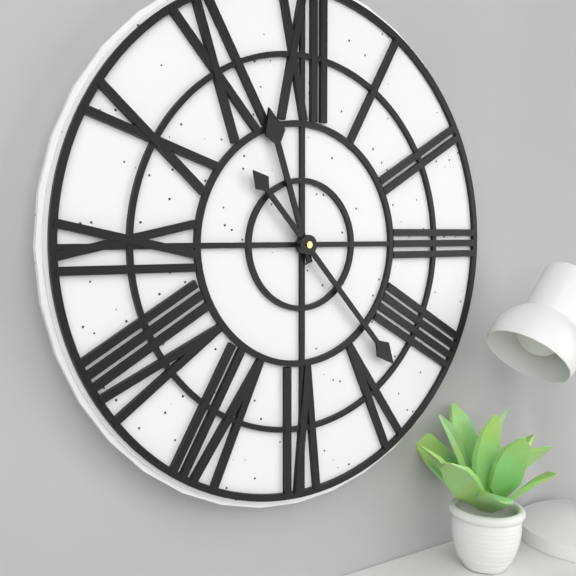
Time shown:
{"hour": 11, "minute": 23}
